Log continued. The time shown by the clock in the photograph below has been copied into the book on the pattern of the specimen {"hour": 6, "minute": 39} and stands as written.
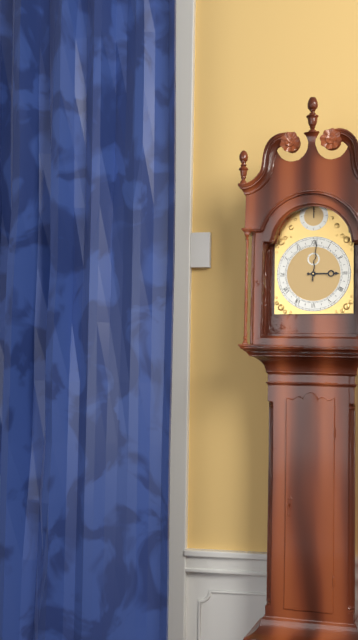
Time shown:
{"hour": 3, "minute": 1}
